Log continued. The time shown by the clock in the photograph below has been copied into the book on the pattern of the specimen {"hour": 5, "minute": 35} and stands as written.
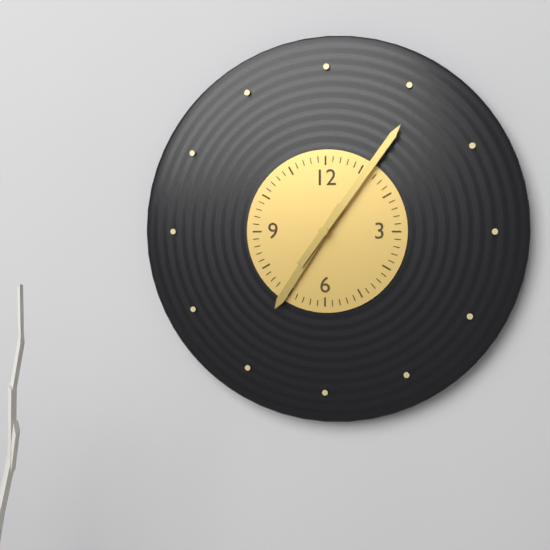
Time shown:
{"hour": 7, "minute": 6}
